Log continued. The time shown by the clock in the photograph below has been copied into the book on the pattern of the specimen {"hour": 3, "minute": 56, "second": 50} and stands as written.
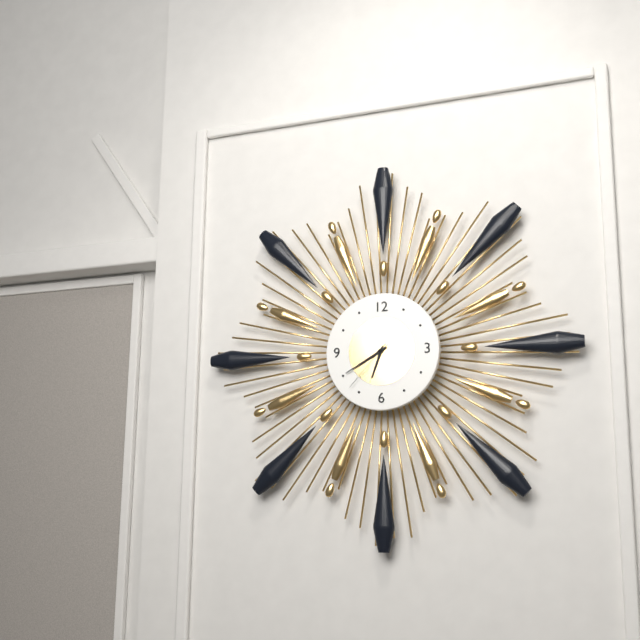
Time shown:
{"hour": 6, "minute": 40, "second": 37}
